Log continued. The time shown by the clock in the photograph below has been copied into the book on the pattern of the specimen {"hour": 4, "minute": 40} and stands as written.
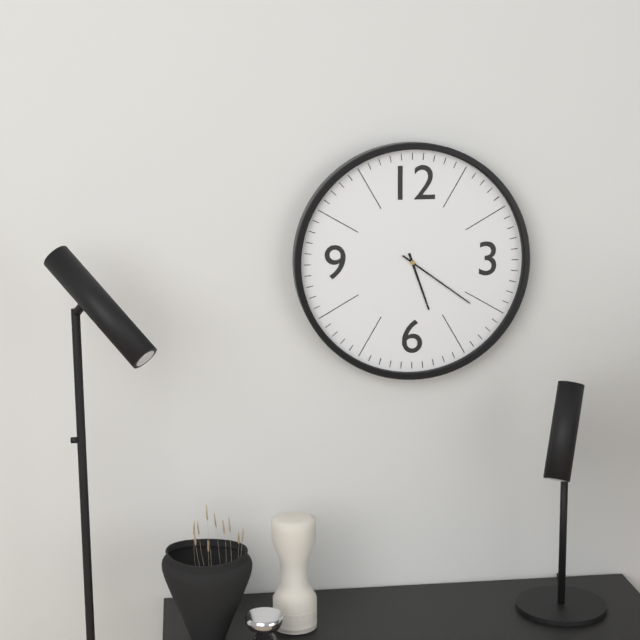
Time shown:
{"hour": 5, "minute": 21}
